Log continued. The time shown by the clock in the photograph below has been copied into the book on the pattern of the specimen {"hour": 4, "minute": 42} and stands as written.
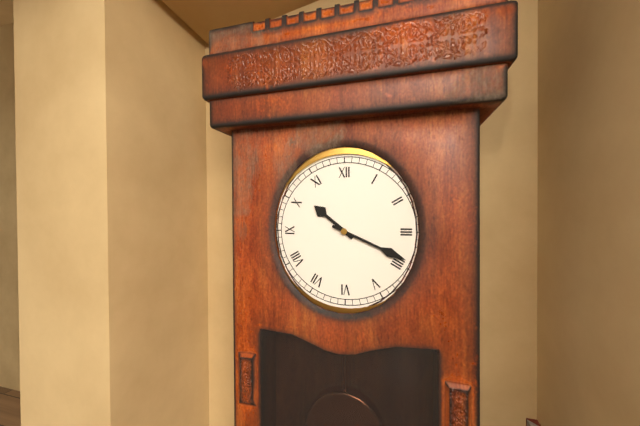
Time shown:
{"hour": 10, "minute": 19}
